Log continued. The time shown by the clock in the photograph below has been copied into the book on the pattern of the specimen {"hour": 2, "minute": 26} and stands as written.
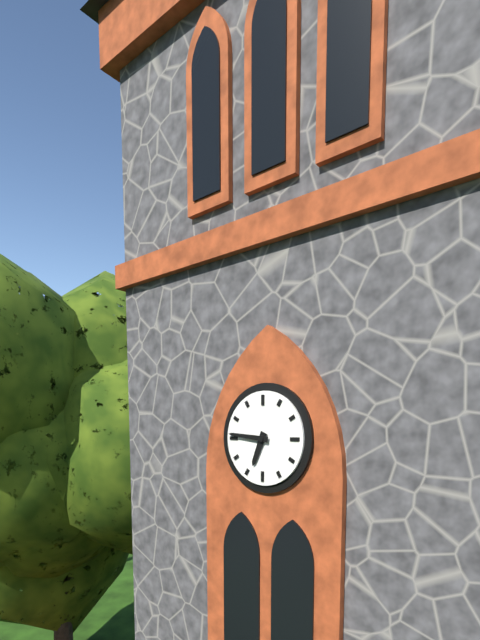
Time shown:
{"hour": 6, "minute": 46}
